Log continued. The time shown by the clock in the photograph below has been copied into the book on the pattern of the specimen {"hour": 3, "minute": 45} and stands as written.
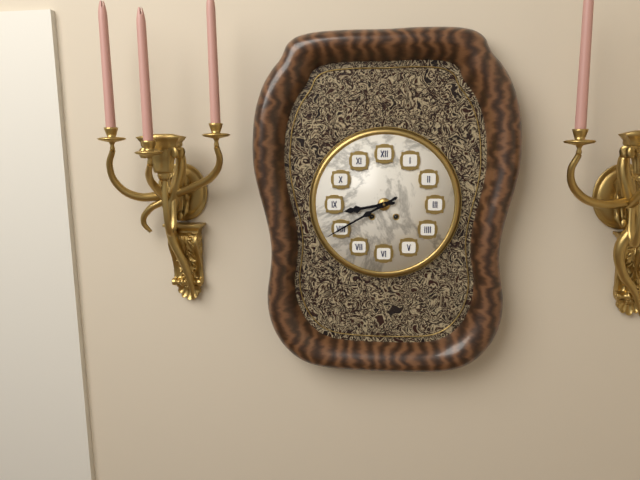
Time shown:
{"hour": 8, "minute": 40}
